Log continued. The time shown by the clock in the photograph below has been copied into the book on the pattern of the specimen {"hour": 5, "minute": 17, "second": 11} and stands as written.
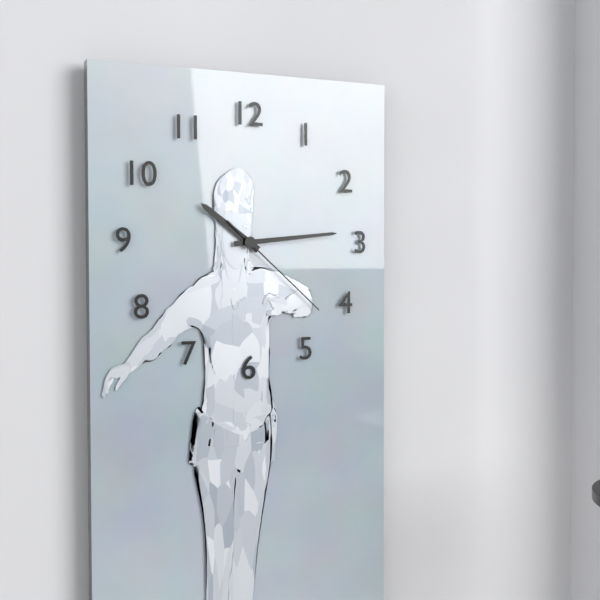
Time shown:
{"hour": 10, "minute": 14, "second": 22}
